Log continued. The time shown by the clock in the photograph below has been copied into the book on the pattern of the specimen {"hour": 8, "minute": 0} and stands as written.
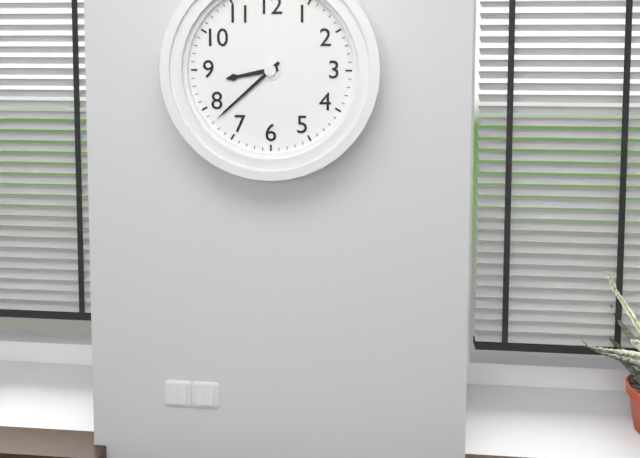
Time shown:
{"hour": 8, "minute": 38}
